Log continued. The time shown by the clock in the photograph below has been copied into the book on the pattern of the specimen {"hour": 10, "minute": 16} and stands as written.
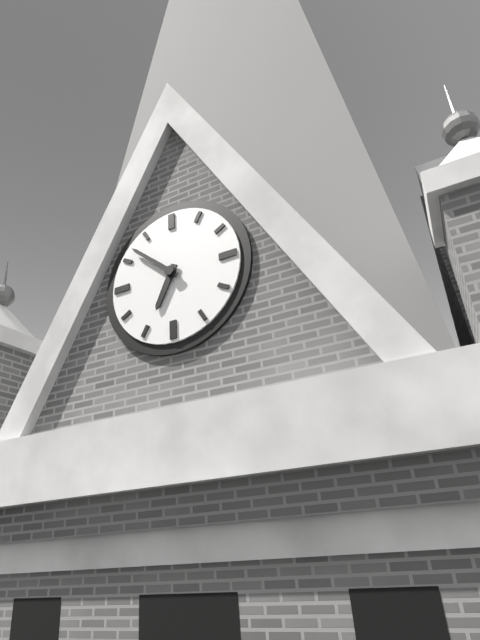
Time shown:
{"hour": 6, "minute": 52}
